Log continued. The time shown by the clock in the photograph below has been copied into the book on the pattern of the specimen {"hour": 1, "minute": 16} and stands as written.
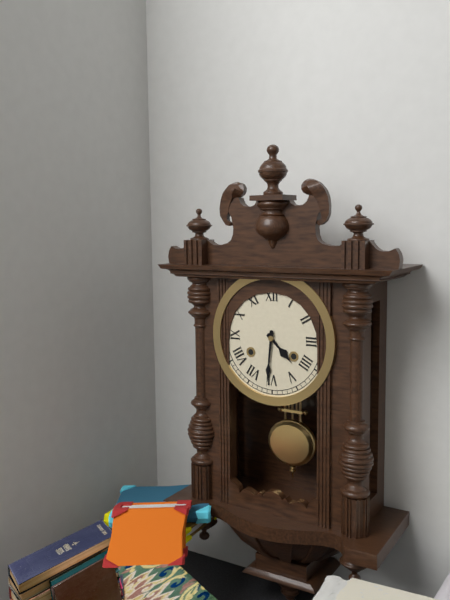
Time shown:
{"hour": 4, "minute": 31}
